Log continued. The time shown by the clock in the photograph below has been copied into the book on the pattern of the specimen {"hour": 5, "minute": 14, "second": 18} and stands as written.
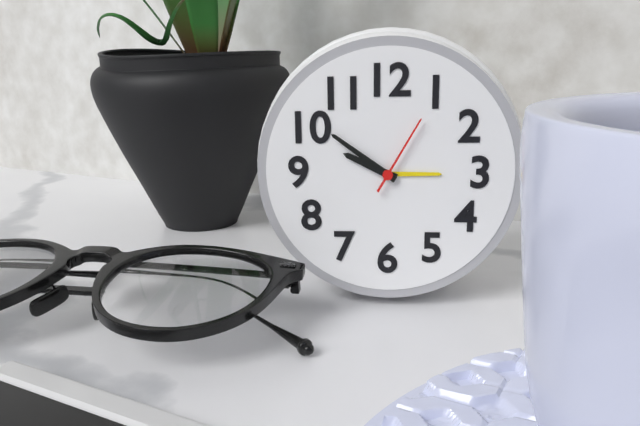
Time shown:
{"hour": 9, "minute": 51, "second": 5}
